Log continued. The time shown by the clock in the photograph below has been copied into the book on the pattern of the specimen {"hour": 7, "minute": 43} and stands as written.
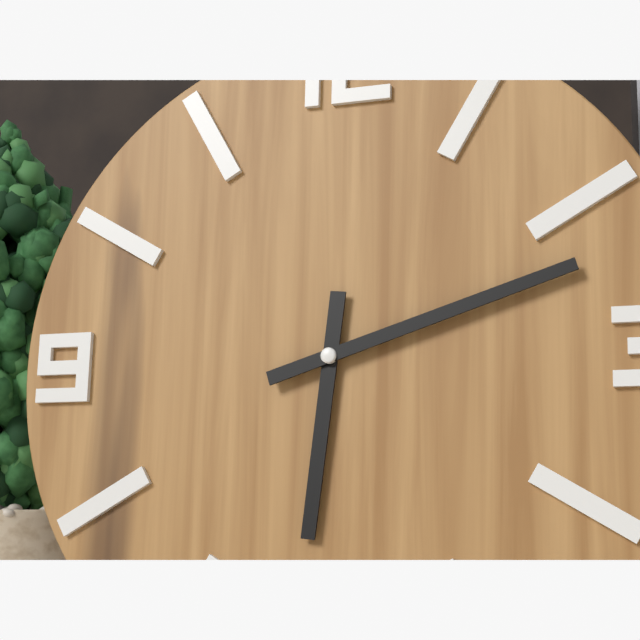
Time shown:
{"hour": 6, "minute": 12}
